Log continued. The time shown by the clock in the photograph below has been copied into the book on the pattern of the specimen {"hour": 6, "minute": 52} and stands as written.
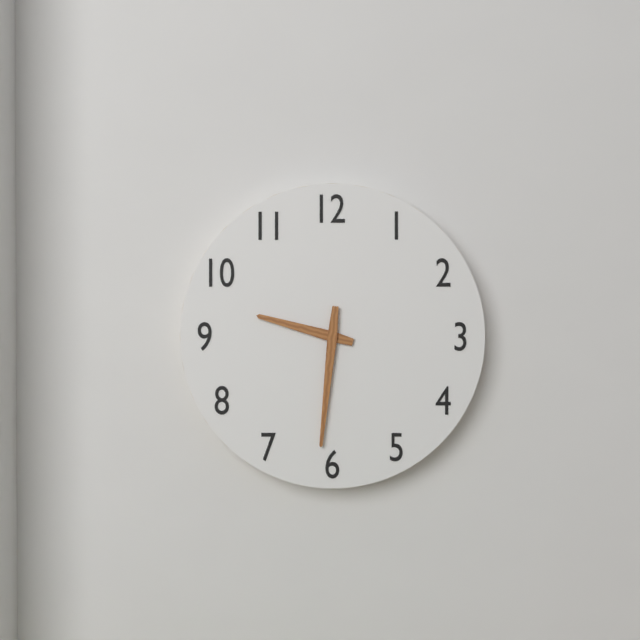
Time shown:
{"hour": 9, "minute": 31}
